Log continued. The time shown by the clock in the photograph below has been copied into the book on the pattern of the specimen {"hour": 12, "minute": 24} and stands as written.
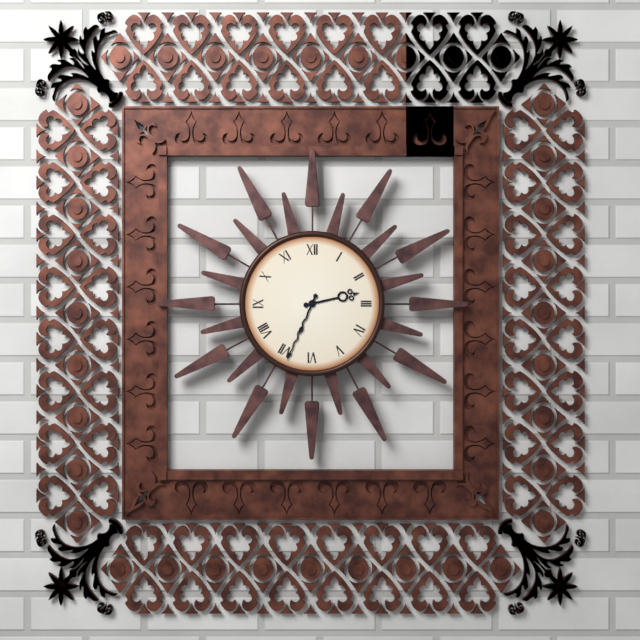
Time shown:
{"hour": 2, "minute": 34}
